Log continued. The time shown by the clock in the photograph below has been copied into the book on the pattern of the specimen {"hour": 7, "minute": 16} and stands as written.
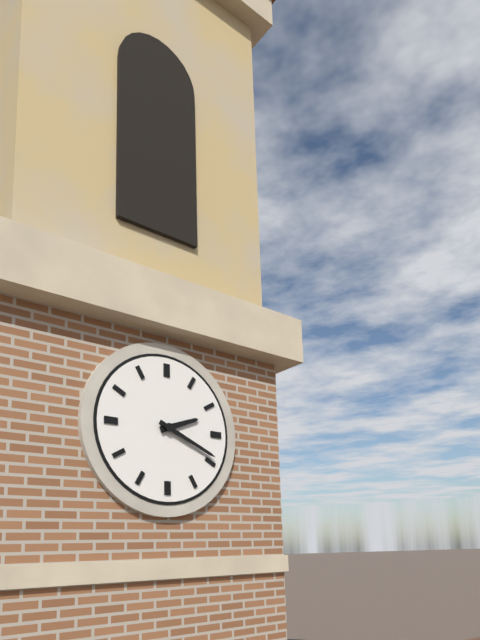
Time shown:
{"hour": 2, "minute": 19}
